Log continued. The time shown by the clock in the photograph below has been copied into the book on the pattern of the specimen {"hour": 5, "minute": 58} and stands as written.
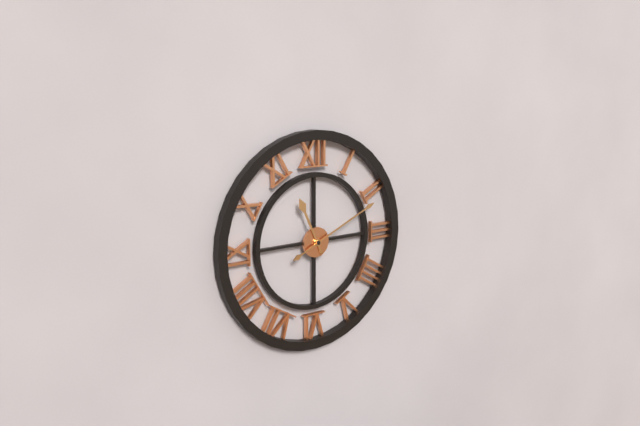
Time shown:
{"hour": 11, "minute": 11}
